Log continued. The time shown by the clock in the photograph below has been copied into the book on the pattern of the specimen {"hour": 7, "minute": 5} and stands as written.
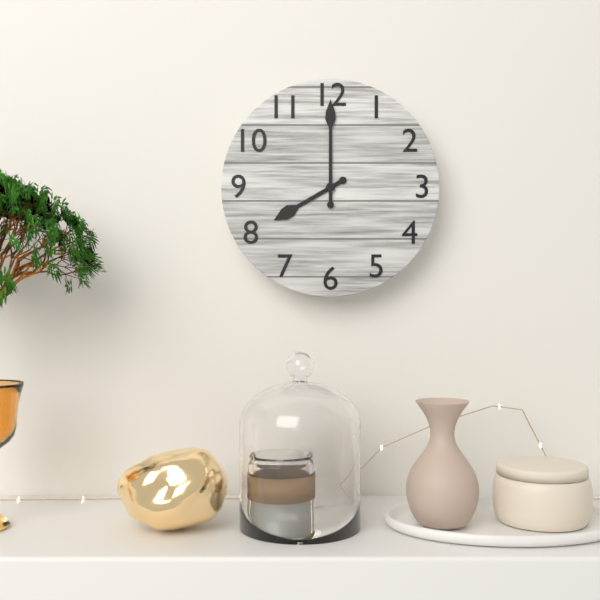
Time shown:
{"hour": 8, "minute": 0}
